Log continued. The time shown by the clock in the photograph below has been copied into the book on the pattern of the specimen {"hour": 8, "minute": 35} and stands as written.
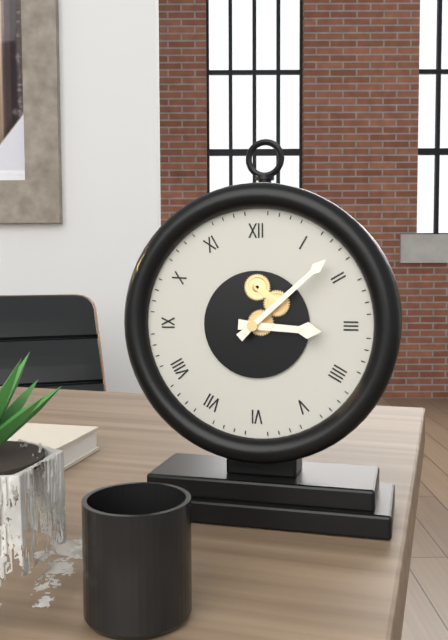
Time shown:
{"hour": 3, "minute": 8}
